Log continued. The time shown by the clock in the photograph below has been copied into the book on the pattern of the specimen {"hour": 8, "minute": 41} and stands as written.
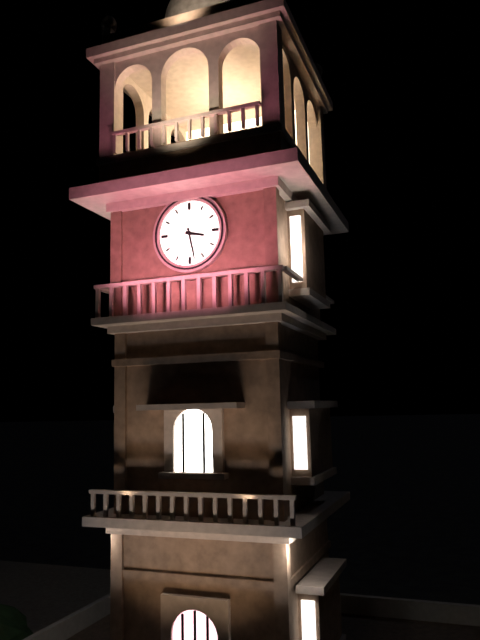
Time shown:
{"hour": 3, "minute": 28}
